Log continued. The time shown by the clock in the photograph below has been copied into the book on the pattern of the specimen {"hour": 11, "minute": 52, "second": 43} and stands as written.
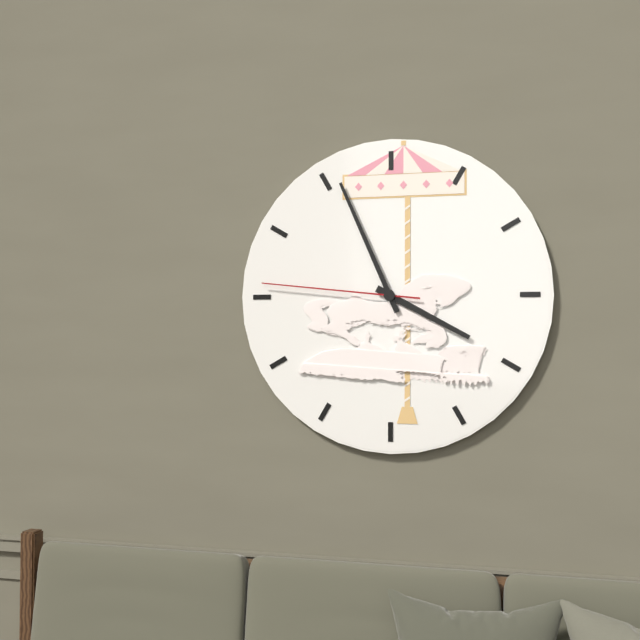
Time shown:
{"hour": 3, "minute": 56, "second": 46}
